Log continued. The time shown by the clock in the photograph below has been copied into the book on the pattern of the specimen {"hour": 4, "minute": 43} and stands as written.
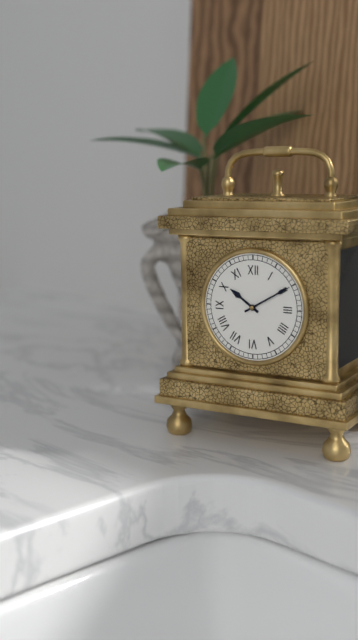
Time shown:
{"hour": 10, "minute": 10}
